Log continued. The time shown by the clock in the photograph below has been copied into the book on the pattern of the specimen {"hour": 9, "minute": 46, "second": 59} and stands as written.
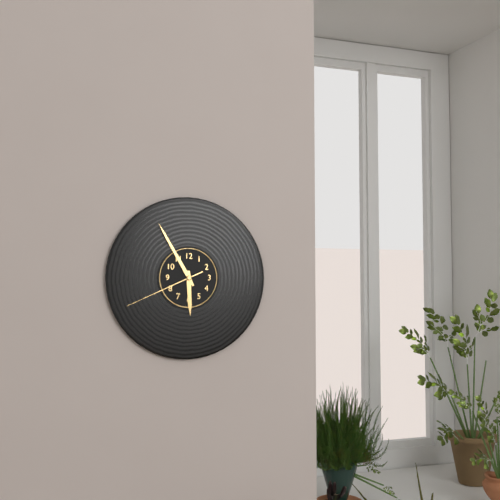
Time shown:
{"hour": 5, "minute": 55, "second": 41}
